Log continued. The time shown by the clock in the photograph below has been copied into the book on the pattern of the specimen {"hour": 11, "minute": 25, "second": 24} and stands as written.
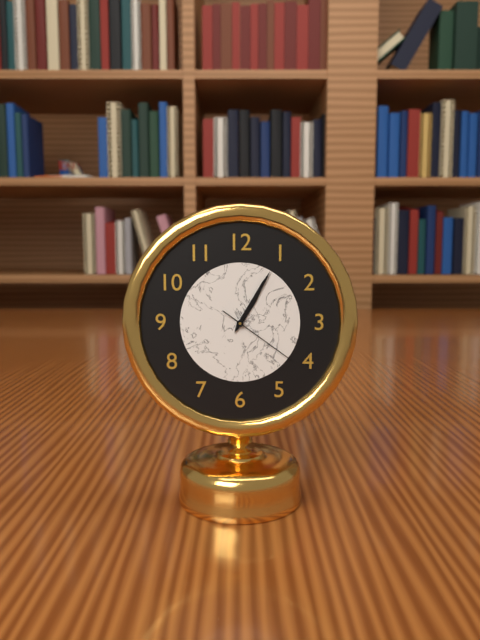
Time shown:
{"hour": 1, "minute": 5, "second": 21}
